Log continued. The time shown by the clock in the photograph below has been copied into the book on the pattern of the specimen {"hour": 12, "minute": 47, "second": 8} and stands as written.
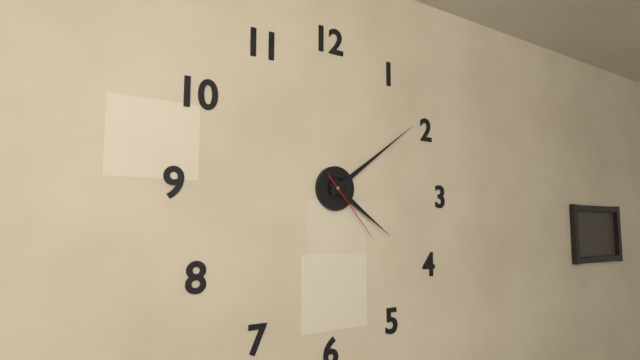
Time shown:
{"hour": 4, "minute": 9, "second": 23}
